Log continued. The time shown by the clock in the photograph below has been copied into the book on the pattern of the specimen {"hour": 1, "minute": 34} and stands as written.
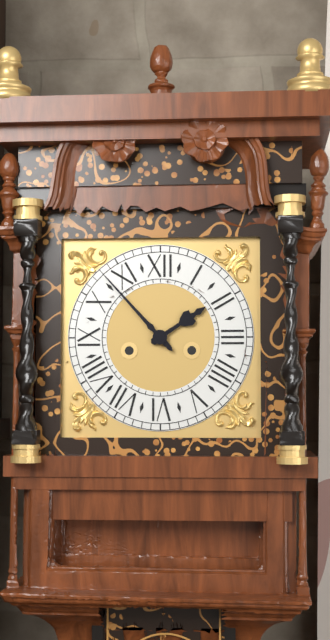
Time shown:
{"hour": 1, "minute": 53}
